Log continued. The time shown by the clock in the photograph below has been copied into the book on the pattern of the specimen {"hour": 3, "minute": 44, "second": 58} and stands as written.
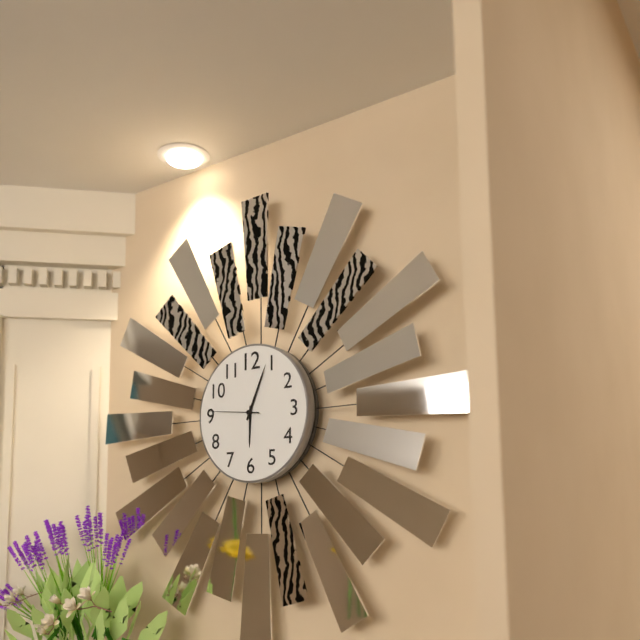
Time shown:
{"hour": 6, "minute": 4, "second": 46}
